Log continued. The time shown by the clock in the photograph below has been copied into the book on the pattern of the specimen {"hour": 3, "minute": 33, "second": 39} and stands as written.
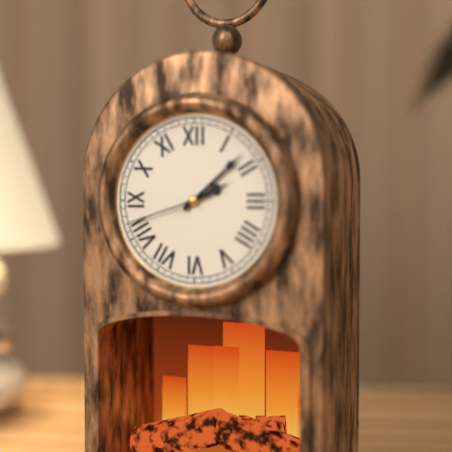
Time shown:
{"hour": 2, "minute": 8, "second": 42}
